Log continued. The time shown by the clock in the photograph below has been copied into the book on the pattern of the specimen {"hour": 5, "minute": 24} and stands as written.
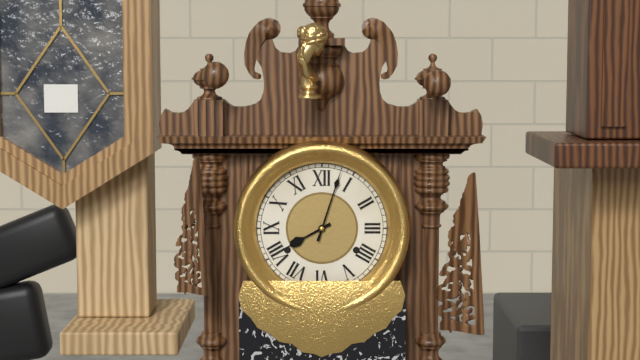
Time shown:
{"hour": 8, "minute": 3}
